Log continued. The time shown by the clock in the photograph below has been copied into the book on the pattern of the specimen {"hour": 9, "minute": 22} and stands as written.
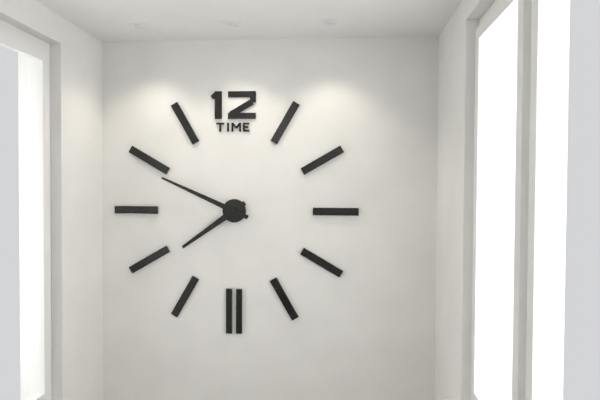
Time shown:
{"hour": 7, "minute": 49}
